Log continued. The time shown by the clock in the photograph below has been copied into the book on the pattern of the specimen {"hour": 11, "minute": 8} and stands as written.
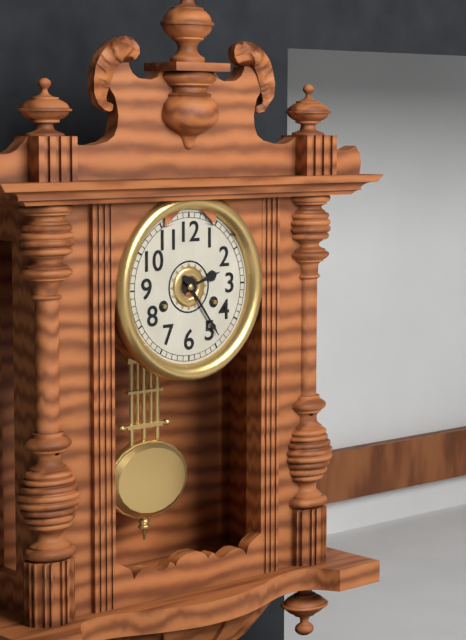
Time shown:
{"hour": 2, "minute": 24}
